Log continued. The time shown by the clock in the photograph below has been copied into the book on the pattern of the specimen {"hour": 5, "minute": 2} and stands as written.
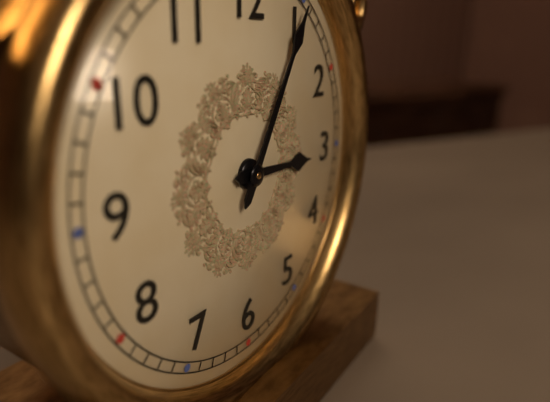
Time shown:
{"hour": 3, "minute": 5}
